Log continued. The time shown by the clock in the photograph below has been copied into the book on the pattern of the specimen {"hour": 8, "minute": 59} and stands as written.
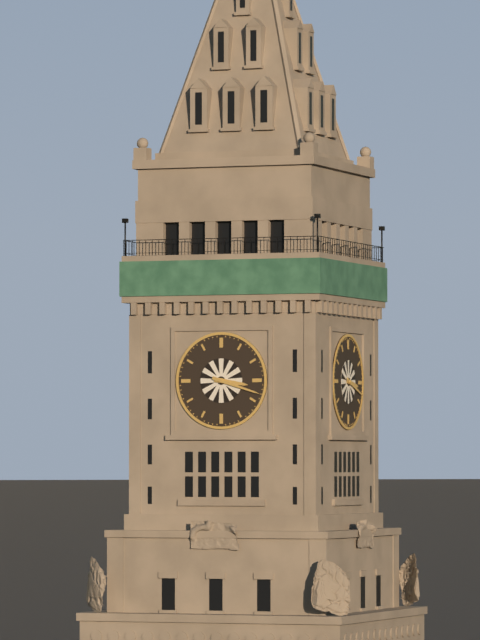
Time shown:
{"hour": 3, "minute": 18}
